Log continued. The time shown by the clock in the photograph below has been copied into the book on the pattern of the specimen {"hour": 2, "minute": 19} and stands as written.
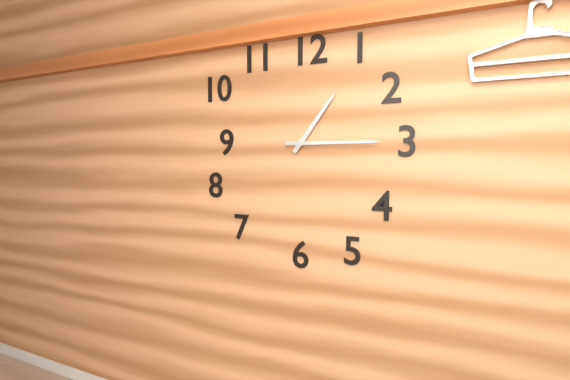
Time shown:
{"hour": 1, "minute": 15}
